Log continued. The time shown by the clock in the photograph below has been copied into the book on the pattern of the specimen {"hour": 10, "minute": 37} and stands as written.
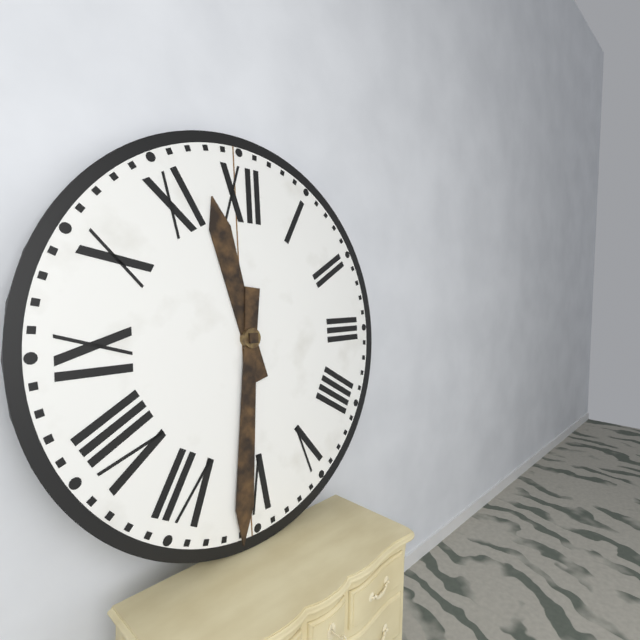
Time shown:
{"hour": 11, "minute": 31}
